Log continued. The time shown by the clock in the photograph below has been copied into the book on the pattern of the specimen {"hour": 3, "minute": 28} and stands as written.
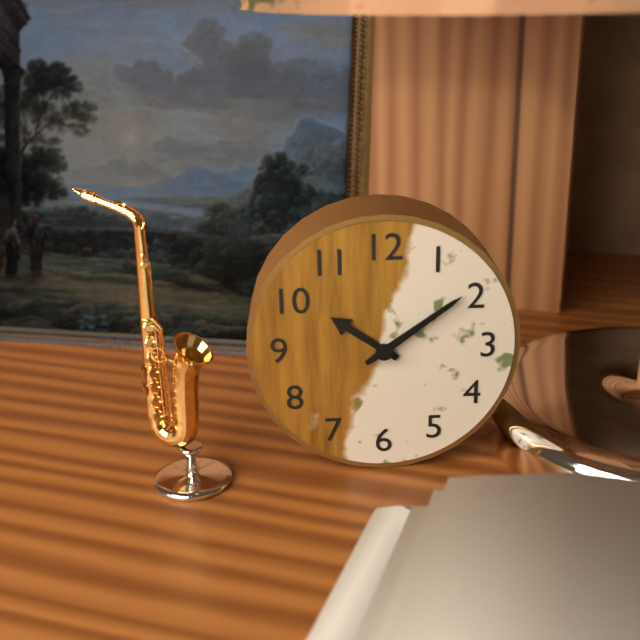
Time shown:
{"hour": 10, "minute": 9}
